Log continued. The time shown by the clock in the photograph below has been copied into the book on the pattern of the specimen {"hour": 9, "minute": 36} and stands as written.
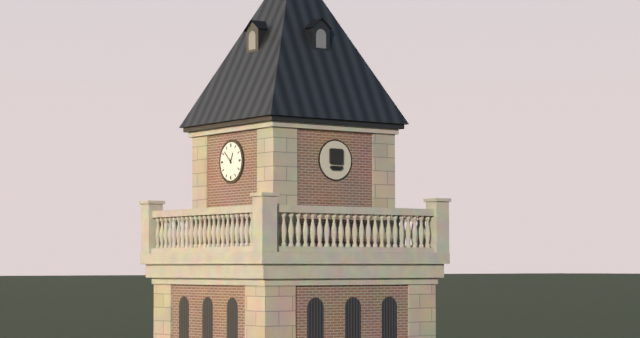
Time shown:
{"hour": 12, "minute": 52}
